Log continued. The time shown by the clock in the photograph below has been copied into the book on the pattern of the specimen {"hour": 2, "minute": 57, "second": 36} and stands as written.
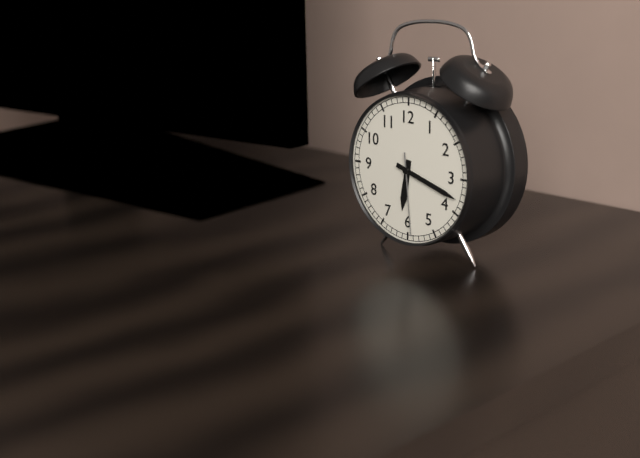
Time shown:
{"hour": 6, "minute": 18, "second": 29}
